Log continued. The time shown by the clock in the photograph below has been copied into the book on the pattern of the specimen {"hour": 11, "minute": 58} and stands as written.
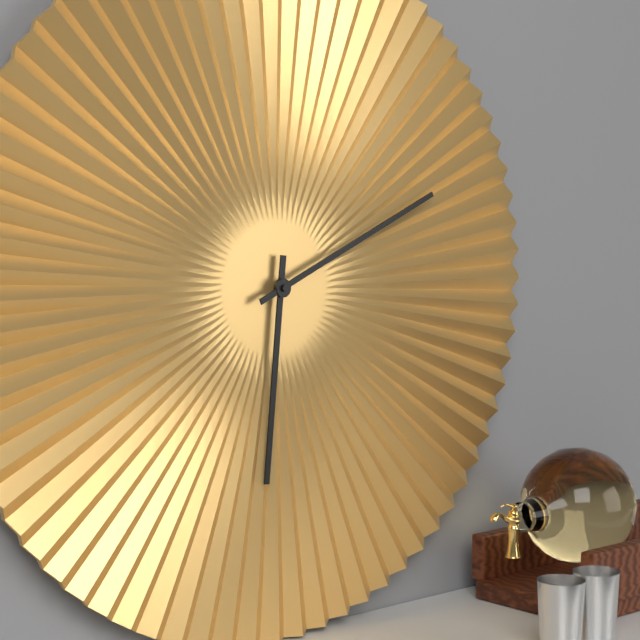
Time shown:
{"hour": 6, "minute": 11}
